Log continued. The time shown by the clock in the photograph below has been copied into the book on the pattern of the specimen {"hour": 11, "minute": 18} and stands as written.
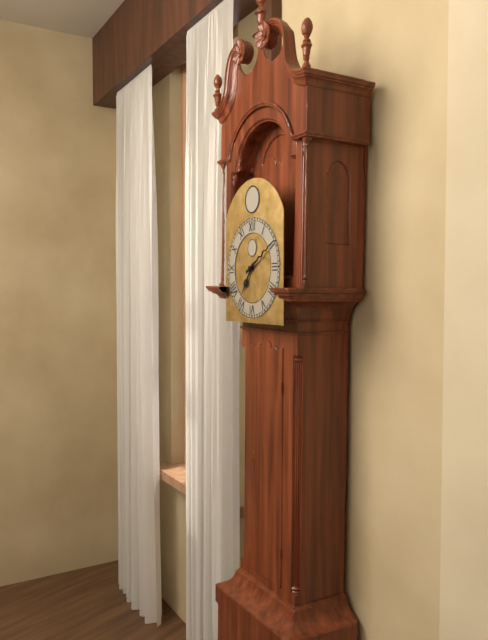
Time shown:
{"hour": 7, "minute": 10}
